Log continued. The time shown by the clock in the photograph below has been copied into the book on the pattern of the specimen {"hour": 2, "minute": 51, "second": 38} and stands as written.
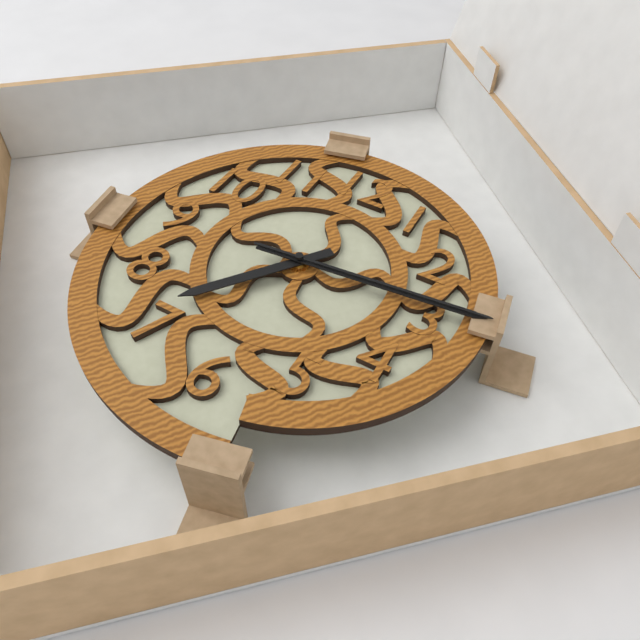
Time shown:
{"hour": 7, "minute": 14, "second": 14}
